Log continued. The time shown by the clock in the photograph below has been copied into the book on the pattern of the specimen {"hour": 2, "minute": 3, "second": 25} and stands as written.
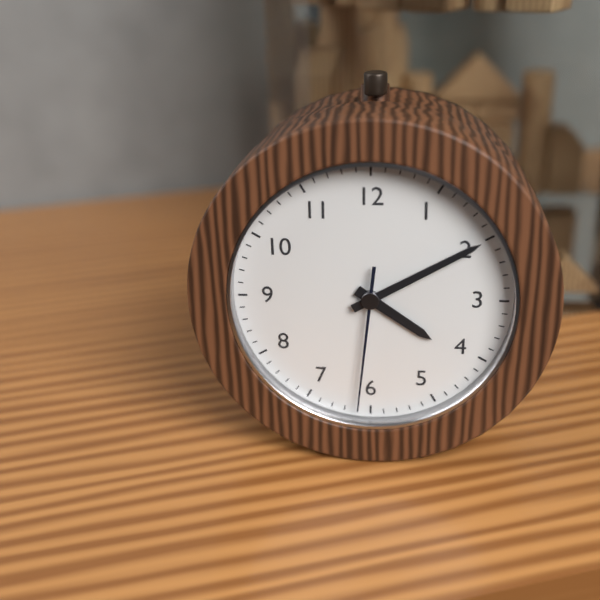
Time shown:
{"hour": 4, "minute": 10, "second": 31}
